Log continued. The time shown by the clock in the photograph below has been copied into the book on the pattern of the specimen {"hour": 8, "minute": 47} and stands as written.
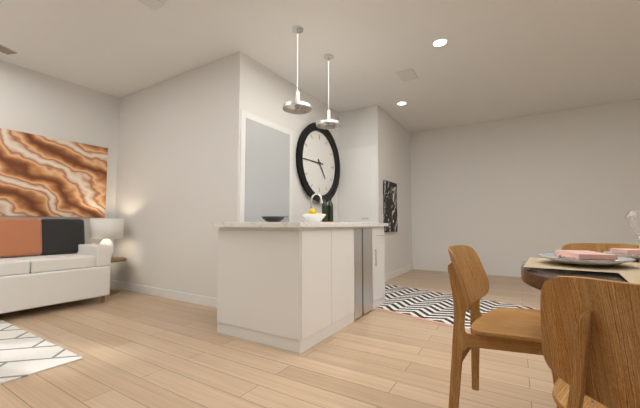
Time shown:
{"hour": 4, "minute": 45}
